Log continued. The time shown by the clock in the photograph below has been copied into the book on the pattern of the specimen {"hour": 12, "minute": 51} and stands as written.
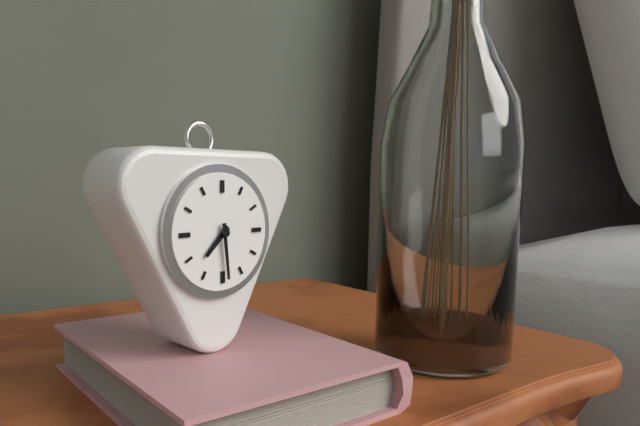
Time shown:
{"hour": 7, "minute": 29}
